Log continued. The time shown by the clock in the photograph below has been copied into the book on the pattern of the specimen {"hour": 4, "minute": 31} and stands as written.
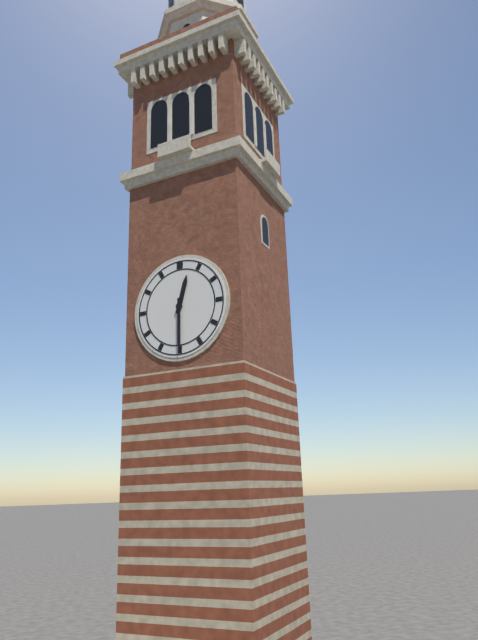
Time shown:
{"hour": 12, "minute": 30}
